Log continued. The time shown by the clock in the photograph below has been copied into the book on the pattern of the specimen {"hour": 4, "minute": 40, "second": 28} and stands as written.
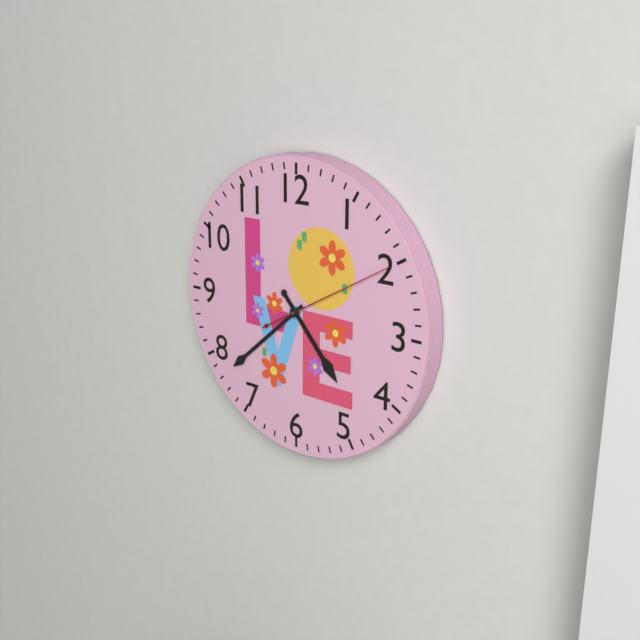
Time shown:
{"hour": 4, "minute": 38, "second": 10}
